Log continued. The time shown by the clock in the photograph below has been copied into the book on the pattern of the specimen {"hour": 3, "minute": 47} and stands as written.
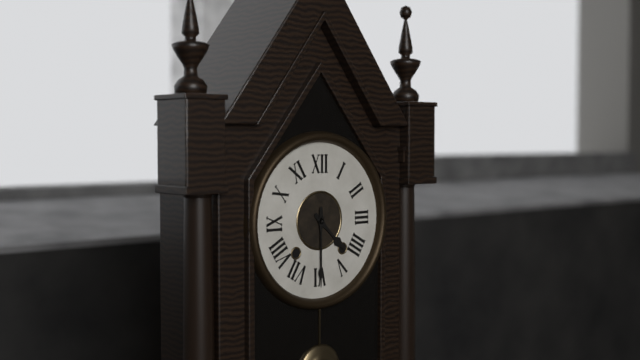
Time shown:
{"hour": 4, "minute": 30}
